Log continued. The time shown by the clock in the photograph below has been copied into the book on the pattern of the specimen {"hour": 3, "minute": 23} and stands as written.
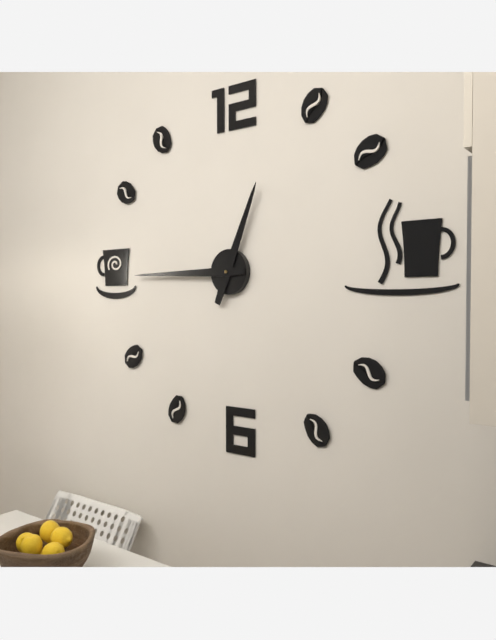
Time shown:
{"hour": 12, "minute": 45}
